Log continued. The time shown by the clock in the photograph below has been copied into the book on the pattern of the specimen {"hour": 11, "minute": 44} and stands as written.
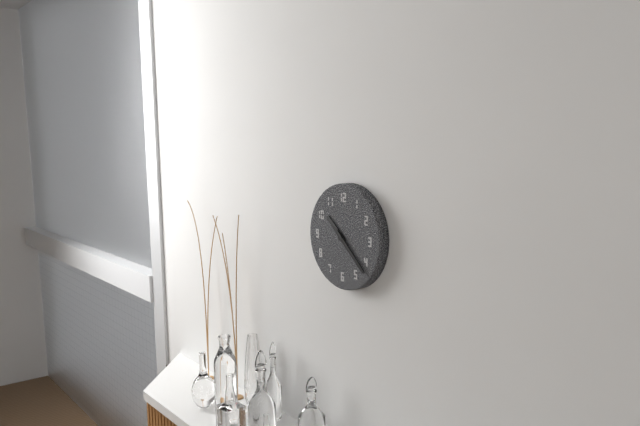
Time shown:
{"hour": 10, "minute": 22}
